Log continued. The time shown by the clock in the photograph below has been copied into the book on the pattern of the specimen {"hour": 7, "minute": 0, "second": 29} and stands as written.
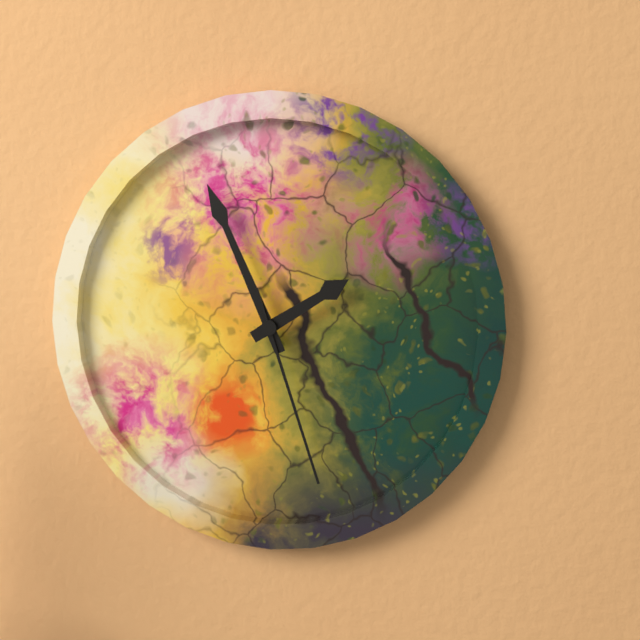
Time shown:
{"hour": 1, "minute": 56, "second": 27}
